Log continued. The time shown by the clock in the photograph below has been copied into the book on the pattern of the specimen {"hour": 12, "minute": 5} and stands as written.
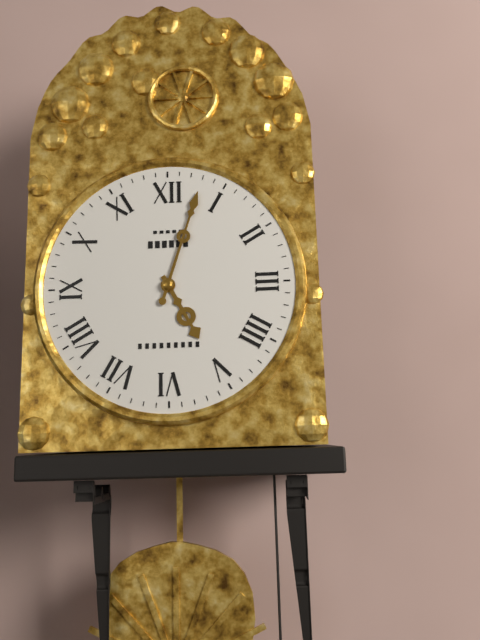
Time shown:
{"hour": 5, "minute": 3}
